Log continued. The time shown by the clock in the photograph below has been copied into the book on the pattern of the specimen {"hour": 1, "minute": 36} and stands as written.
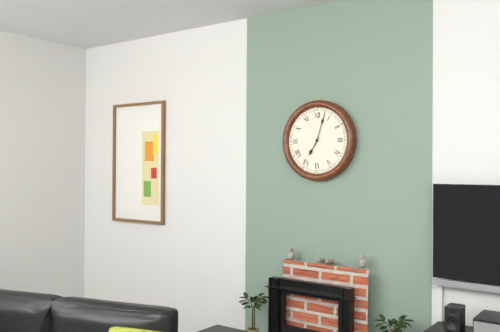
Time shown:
{"hour": 7, "minute": 3}
